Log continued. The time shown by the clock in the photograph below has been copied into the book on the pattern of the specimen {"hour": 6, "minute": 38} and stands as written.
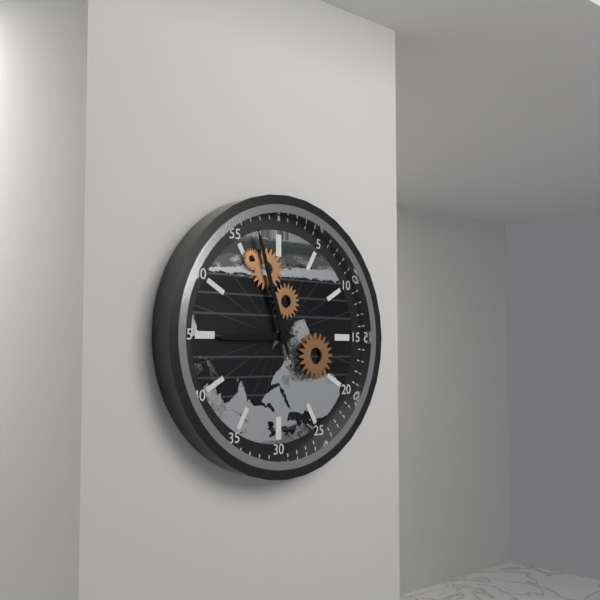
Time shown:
{"hour": 8, "minute": 57}
